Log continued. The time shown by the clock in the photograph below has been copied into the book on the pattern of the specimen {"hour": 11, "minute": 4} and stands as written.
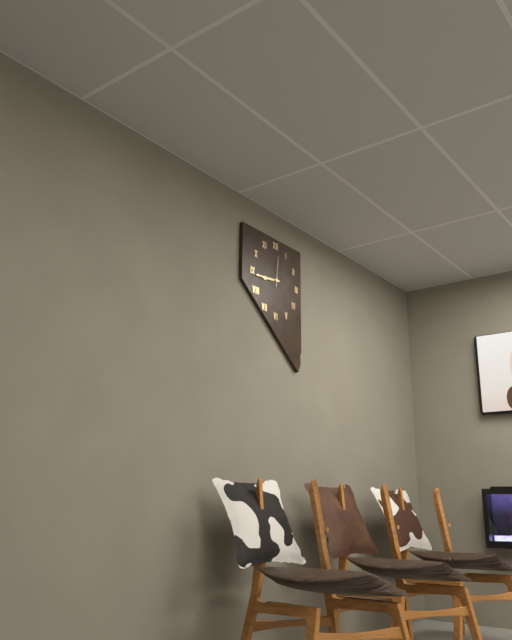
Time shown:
{"hour": 8, "minute": 44}
